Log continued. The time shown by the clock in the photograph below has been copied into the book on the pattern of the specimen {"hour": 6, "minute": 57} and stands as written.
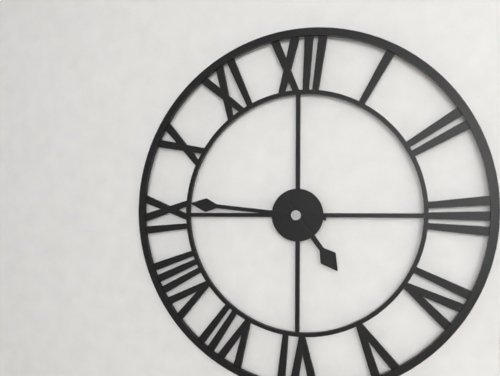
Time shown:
{"hour": 4, "minute": 46}
